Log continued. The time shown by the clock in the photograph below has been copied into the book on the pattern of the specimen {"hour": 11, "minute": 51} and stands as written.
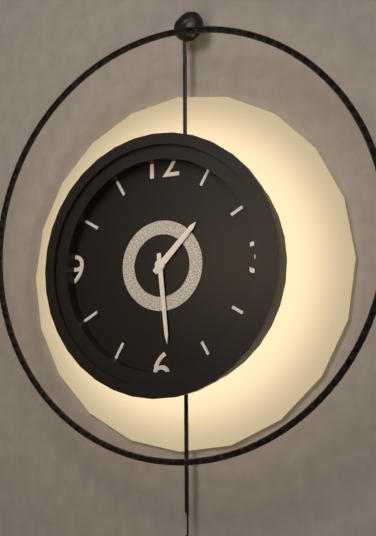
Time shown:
{"hour": 1, "minute": 29}
